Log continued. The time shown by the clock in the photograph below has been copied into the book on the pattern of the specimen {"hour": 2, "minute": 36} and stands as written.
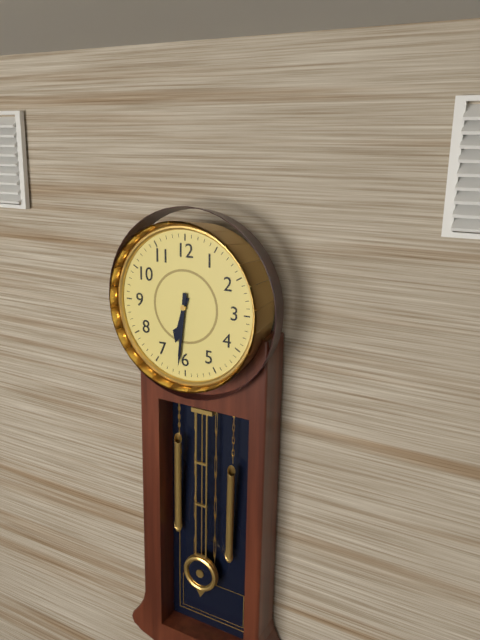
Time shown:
{"hour": 6, "minute": 31}
